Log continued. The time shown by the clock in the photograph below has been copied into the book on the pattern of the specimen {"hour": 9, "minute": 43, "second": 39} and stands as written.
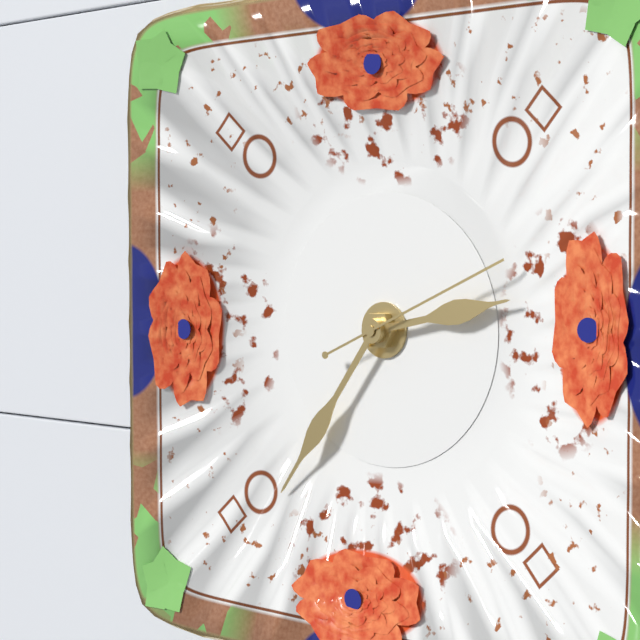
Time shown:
{"hour": 2, "minute": 36, "second": 11}
